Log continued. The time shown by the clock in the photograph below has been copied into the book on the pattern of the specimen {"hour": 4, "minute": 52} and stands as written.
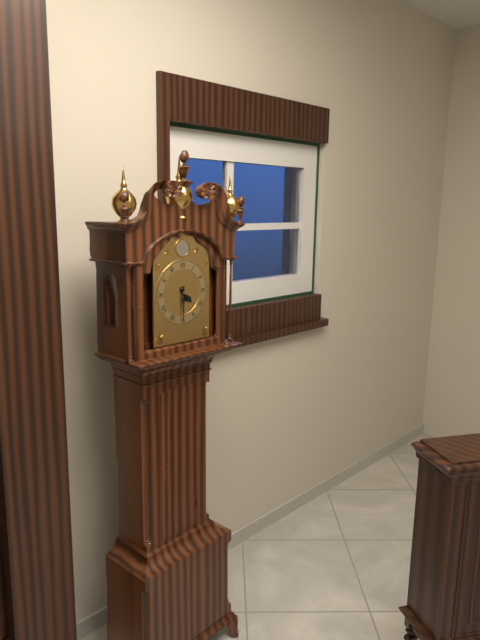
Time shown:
{"hour": 4, "minute": 30}
